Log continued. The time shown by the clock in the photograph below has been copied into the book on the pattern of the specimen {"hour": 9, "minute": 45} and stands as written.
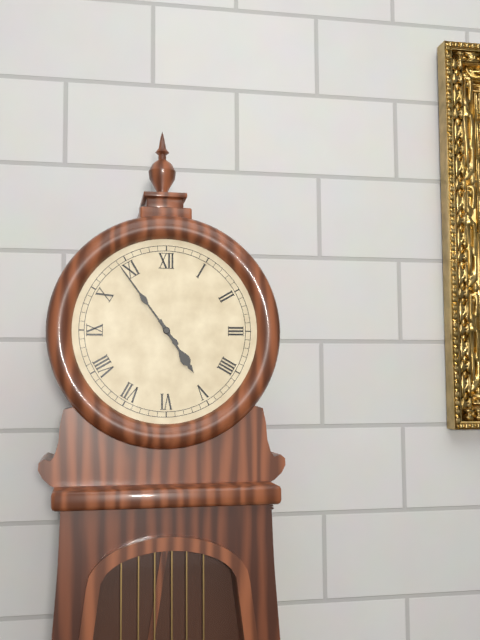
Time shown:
{"hour": 4, "minute": 54}
